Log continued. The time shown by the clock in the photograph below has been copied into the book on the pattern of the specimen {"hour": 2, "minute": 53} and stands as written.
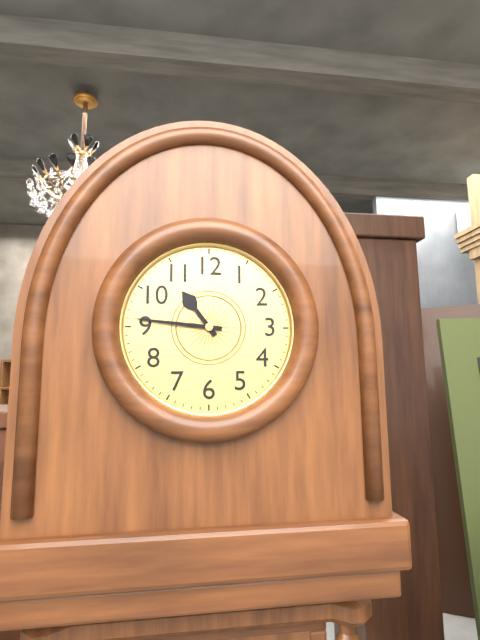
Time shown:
{"hour": 10, "minute": 46}
